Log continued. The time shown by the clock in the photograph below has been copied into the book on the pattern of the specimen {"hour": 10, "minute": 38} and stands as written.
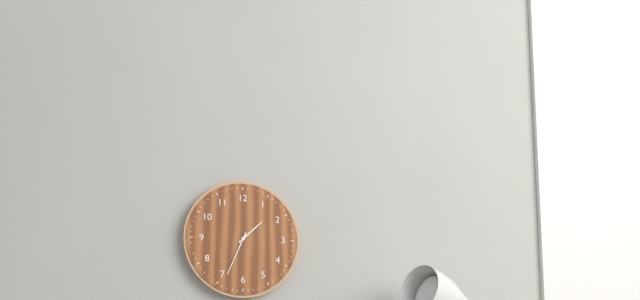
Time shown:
{"hour": 1, "minute": 34}
